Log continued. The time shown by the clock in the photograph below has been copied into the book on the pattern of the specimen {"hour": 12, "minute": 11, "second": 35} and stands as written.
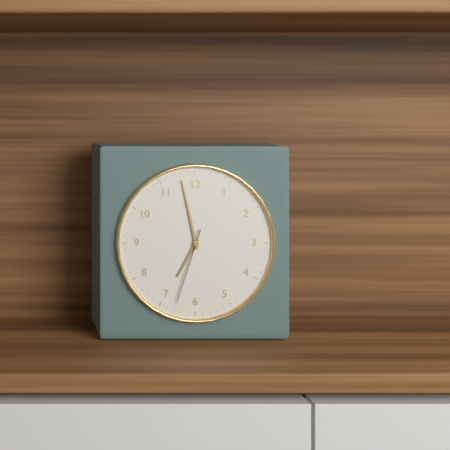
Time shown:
{"hour": 6, "minute": 58, "second": 33}
